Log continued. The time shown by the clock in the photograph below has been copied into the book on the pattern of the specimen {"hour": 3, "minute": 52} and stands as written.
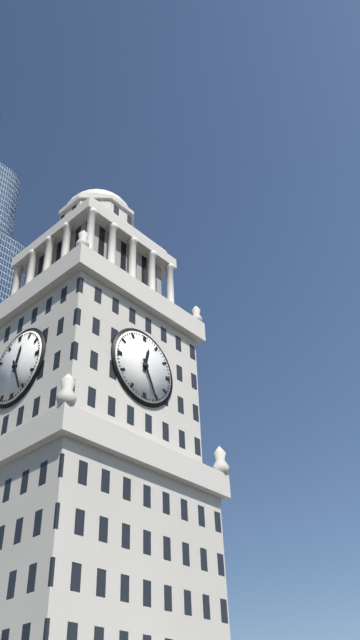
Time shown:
{"hour": 12, "minute": 26}
